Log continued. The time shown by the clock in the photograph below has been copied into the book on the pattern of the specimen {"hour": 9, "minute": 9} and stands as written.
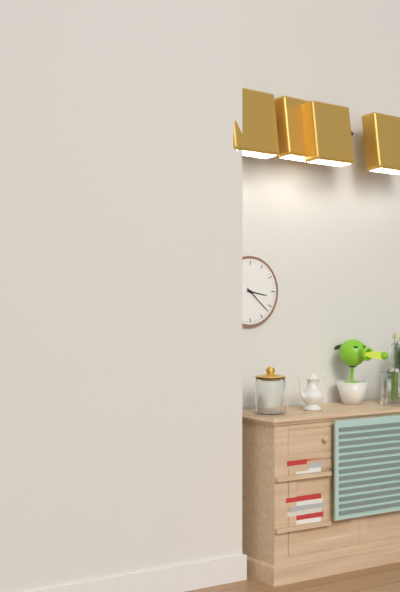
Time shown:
{"hour": 3, "minute": 22}
